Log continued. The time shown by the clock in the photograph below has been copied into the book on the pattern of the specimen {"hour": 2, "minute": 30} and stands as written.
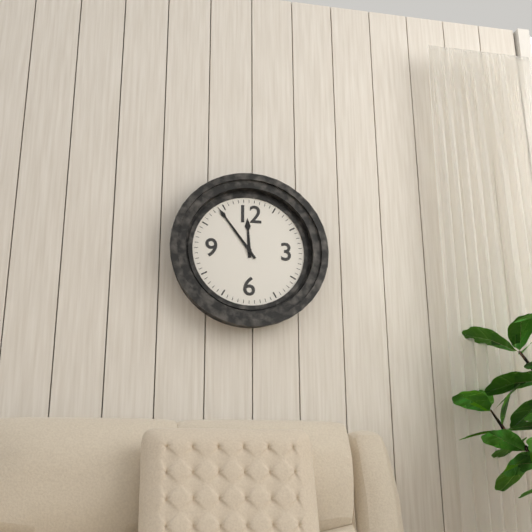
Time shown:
{"hour": 11, "minute": 54}
